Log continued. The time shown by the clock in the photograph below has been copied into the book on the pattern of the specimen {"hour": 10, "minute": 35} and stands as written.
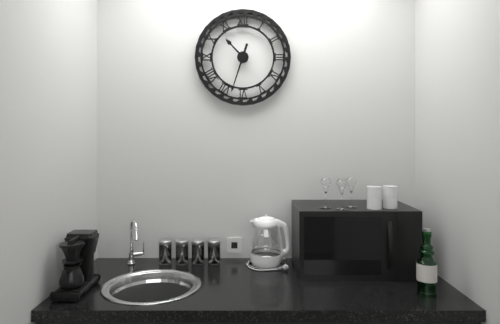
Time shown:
{"hour": 10, "minute": 33}
